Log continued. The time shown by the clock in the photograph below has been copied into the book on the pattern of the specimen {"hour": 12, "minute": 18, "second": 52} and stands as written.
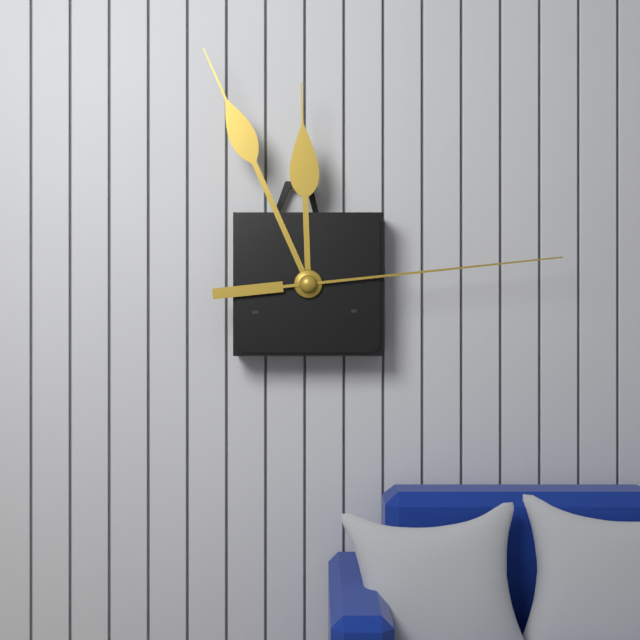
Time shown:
{"hour": 11, "minute": 56, "second": 14}
